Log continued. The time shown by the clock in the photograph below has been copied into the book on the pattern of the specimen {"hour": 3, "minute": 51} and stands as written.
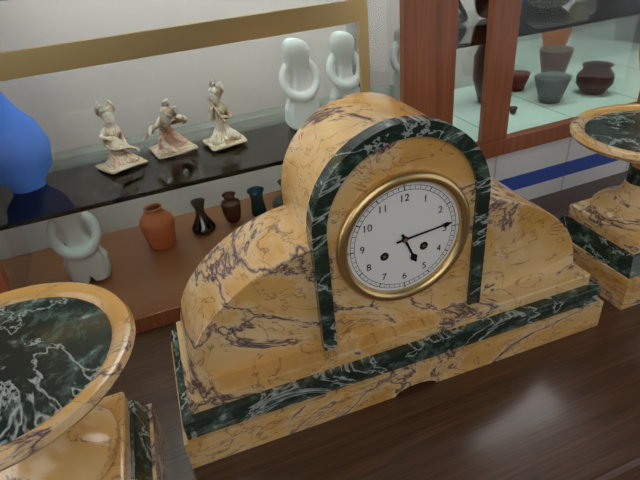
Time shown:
{"hour": 5, "minute": 14}
